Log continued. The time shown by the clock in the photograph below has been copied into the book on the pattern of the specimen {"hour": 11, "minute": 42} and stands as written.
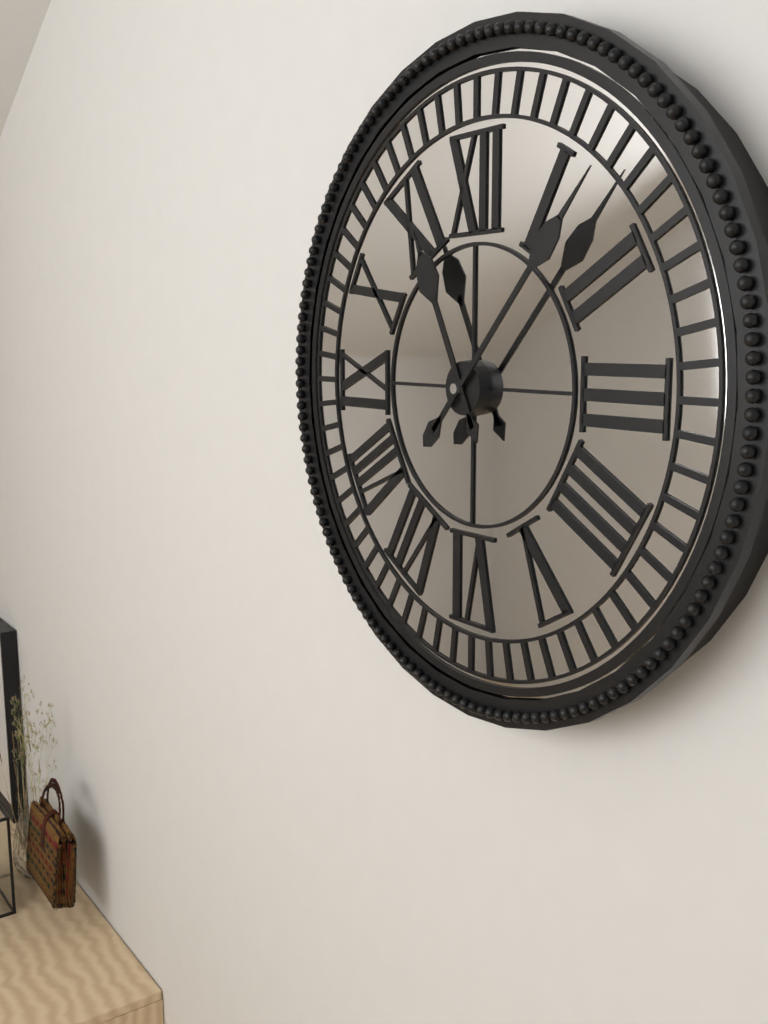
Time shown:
{"hour": 11, "minute": 7}
